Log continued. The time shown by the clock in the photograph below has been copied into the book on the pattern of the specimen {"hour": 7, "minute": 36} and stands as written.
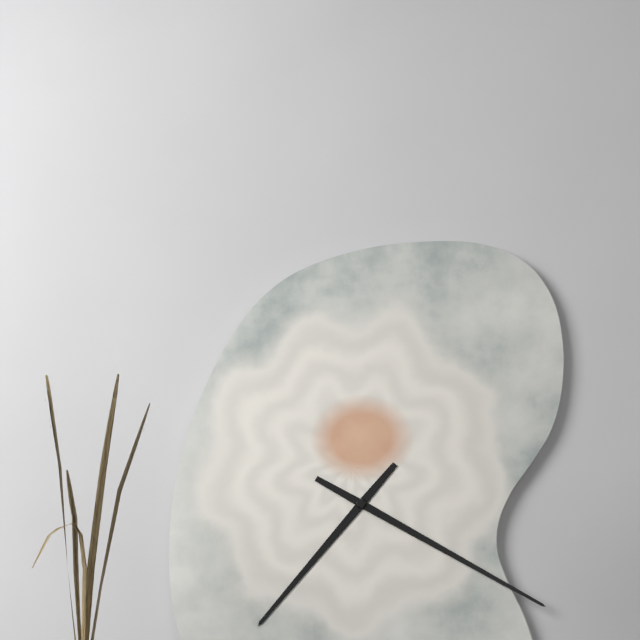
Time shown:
{"hour": 7, "minute": 20}
